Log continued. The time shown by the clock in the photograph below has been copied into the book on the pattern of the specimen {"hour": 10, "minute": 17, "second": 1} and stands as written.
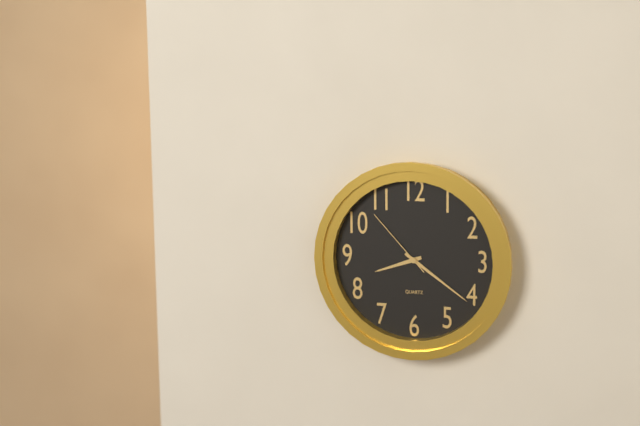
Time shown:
{"hour": 8, "minute": 21, "second": 53}
